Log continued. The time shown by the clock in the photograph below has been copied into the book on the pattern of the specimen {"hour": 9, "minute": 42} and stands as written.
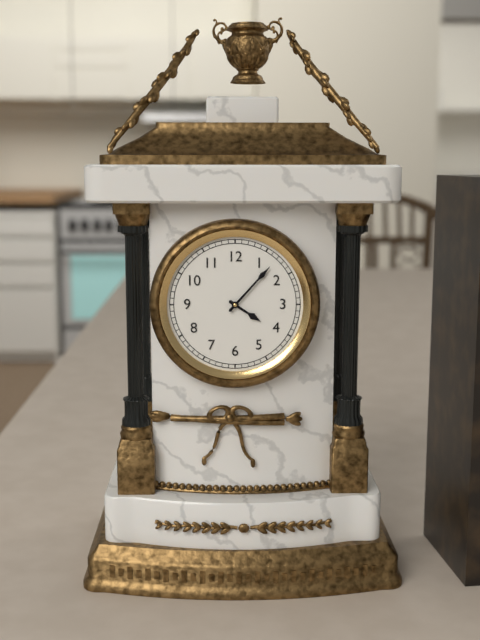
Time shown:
{"hour": 4, "minute": 7}
